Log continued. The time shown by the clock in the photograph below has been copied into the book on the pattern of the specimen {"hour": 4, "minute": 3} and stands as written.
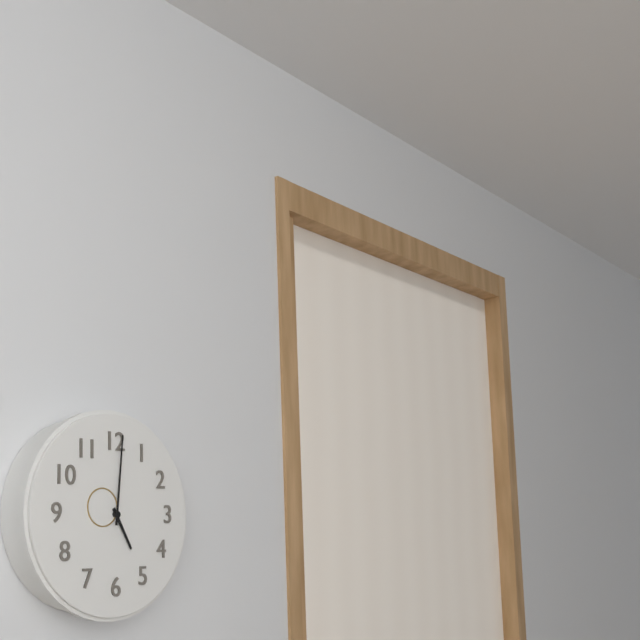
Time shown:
{"hour": 5, "minute": 1}
